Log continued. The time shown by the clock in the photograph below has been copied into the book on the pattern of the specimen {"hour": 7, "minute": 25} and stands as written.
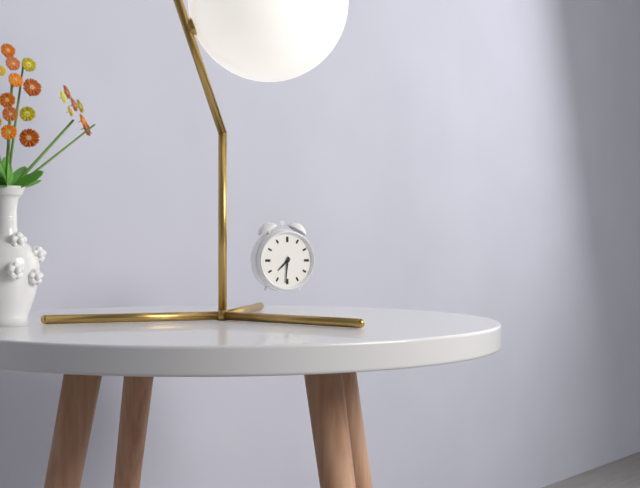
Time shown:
{"hour": 7, "minute": 31}
